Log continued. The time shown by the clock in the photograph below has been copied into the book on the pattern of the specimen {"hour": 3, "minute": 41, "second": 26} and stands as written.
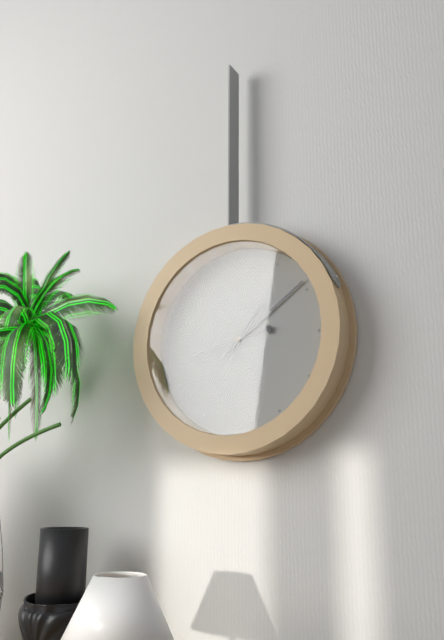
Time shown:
{"hour": 1, "minute": 9, "second": 43}
